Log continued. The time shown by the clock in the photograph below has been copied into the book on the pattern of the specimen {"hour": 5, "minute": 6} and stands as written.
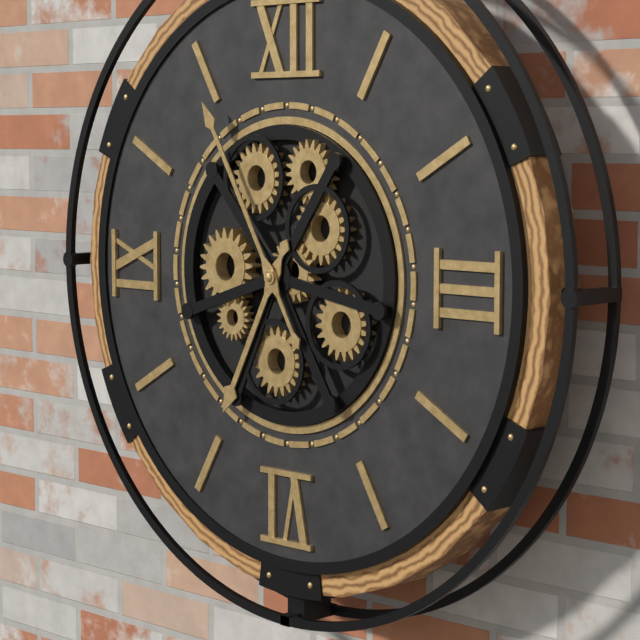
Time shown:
{"hour": 6, "minute": 55}
